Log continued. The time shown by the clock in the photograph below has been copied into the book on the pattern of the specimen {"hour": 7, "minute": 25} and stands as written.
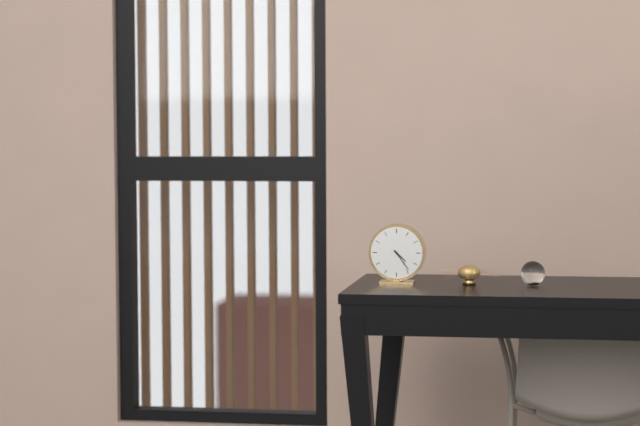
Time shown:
{"hour": 4, "minute": 24}
